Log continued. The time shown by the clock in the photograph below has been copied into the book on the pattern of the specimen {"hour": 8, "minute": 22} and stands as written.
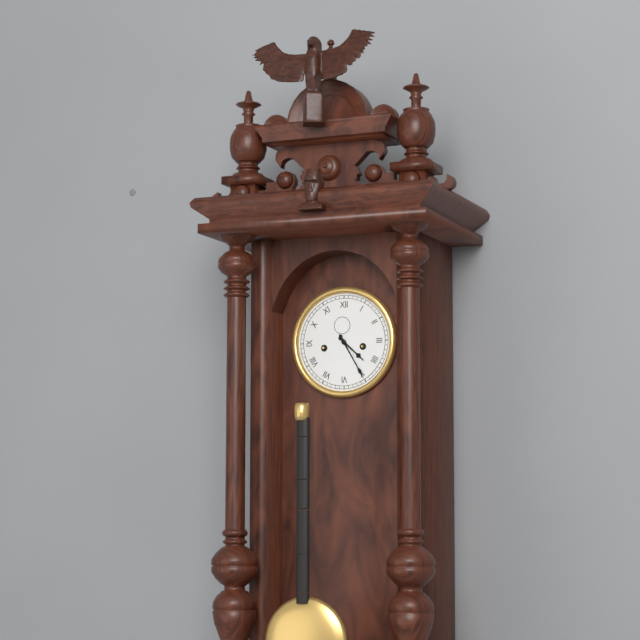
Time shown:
{"hour": 4, "minute": 25}
